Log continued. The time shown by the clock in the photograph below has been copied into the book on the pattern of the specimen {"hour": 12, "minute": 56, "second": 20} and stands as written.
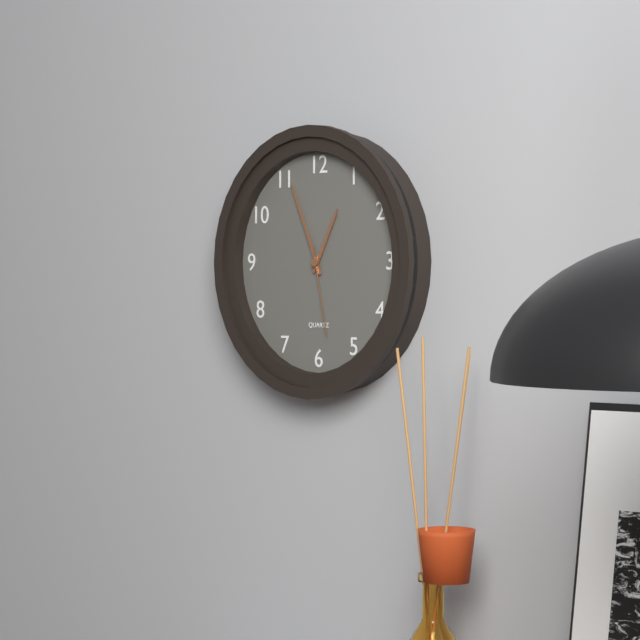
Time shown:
{"hour": 12, "minute": 56, "second": 28}
